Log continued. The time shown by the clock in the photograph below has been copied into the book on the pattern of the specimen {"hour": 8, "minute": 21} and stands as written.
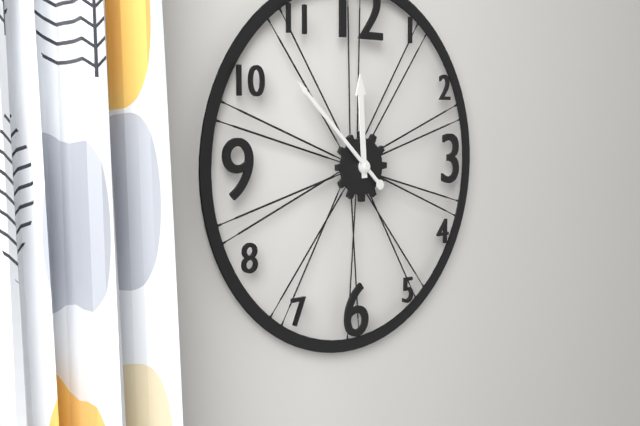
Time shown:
{"hour": 11, "minute": 52}
